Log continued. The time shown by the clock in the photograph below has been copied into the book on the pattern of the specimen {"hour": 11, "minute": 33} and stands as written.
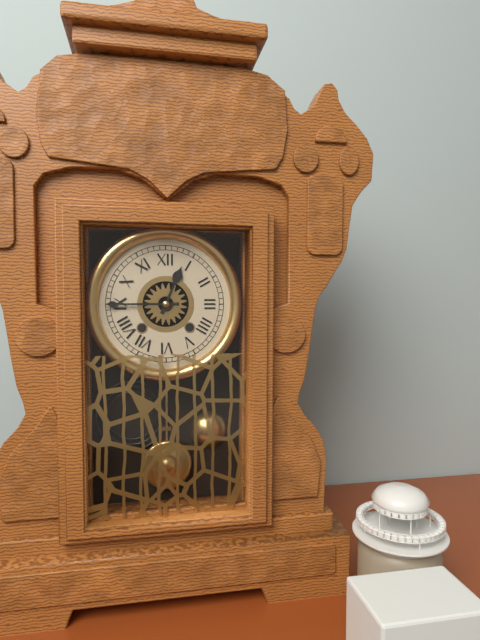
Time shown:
{"hour": 12, "minute": 45}
